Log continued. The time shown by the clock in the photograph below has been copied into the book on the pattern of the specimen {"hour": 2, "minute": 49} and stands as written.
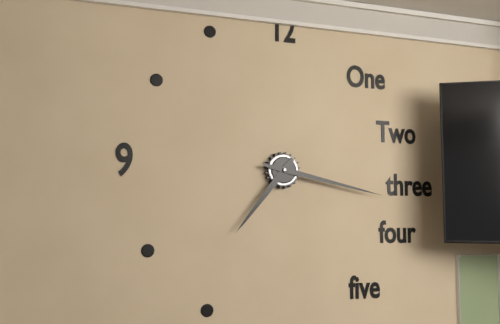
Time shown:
{"hour": 7, "minute": 17}
